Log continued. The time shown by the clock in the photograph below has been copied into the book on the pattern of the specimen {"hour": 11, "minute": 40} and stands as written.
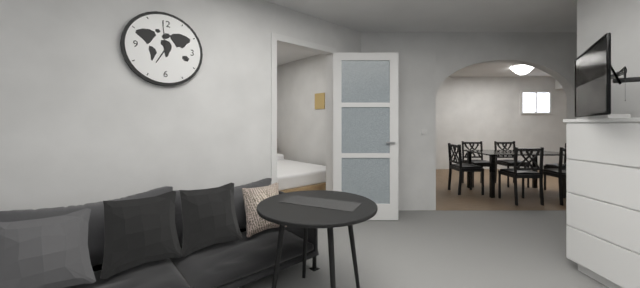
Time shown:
{"hour": 6, "minute": 59}
